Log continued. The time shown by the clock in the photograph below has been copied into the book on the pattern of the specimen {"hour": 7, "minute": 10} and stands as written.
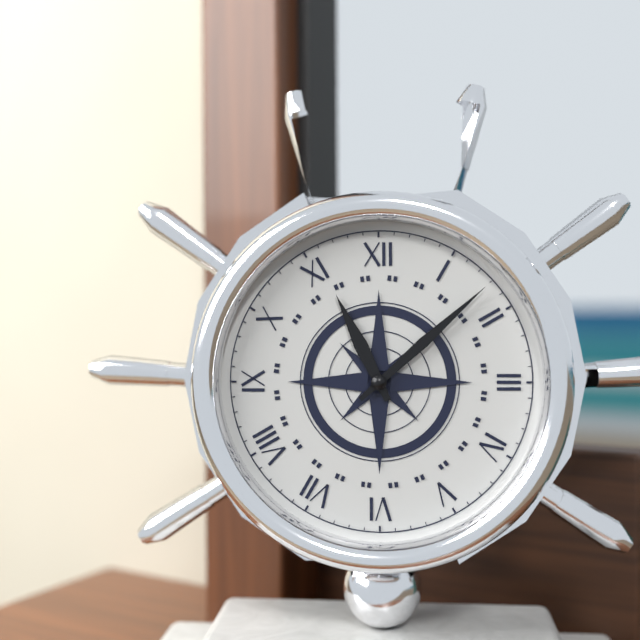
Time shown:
{"hour": 11, "minute": 8}
